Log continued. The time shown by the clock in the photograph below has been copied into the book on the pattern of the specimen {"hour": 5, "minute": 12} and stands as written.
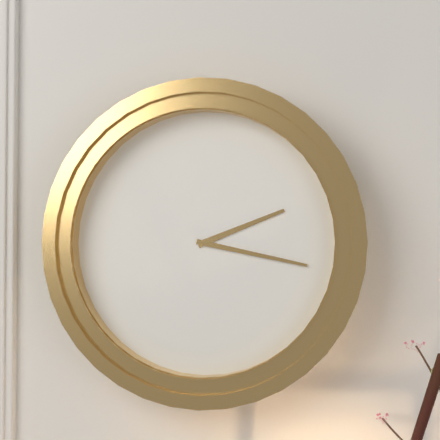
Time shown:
{"hour": 2, "minute": 17}
